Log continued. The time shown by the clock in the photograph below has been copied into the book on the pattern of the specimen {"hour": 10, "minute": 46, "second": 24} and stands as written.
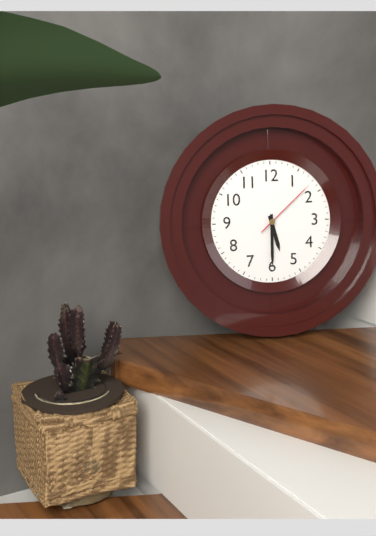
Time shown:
{"hour": 5, "minute": 30, "second": 8}
